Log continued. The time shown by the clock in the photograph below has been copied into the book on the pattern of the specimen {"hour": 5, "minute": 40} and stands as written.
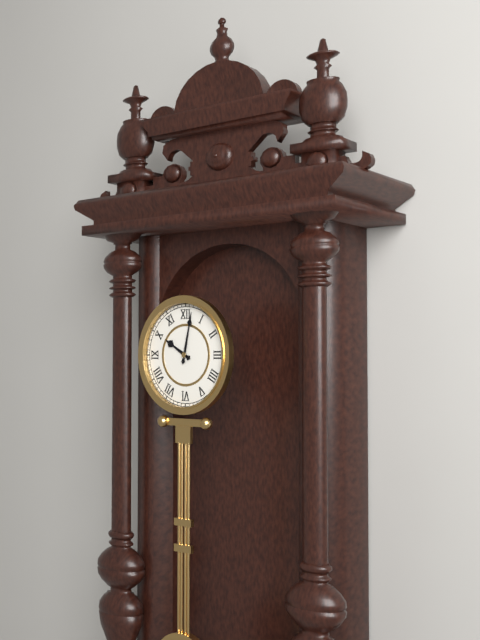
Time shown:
{"hour": 10, "minute": 2}
